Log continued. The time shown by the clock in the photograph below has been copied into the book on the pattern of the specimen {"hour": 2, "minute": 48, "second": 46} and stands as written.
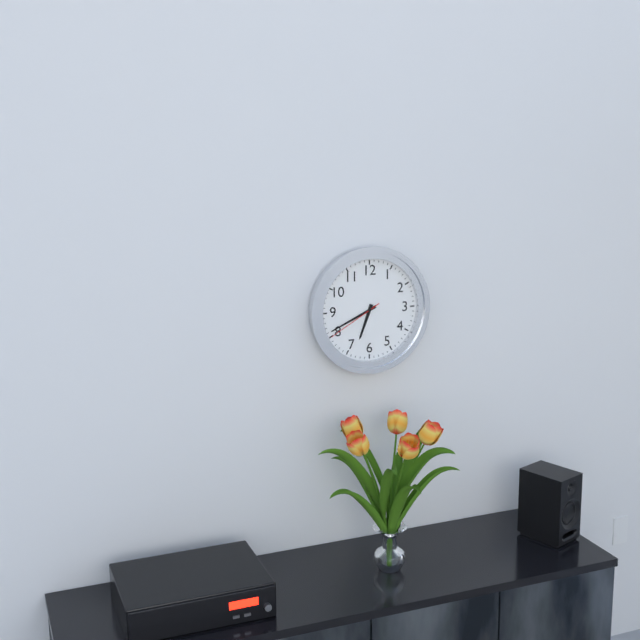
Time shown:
{"hour": 6, "minute": 41, "second": 40}
